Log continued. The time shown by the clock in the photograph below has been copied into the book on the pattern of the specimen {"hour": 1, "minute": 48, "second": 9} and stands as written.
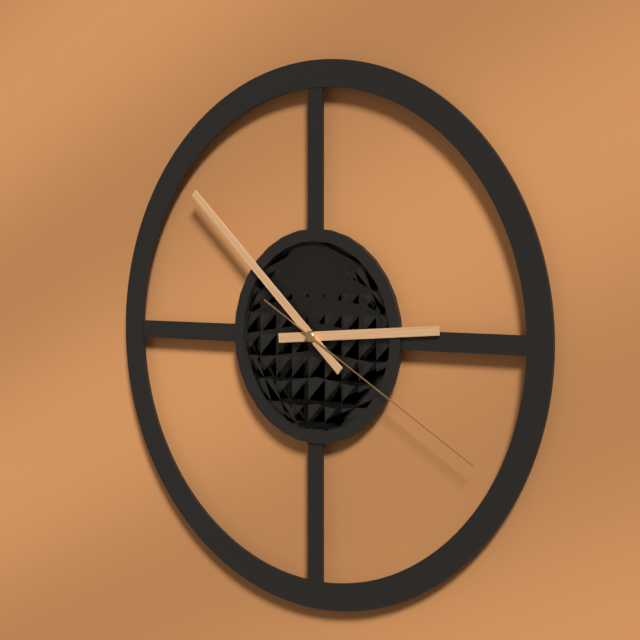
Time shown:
{"hour": 2, "minute": 52, "second": 20}
